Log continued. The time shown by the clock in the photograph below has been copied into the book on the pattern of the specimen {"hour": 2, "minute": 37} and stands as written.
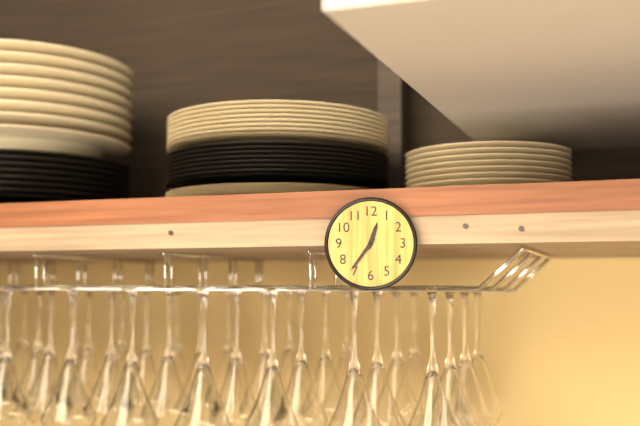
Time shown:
{"hour": 12, "minute": 36}
